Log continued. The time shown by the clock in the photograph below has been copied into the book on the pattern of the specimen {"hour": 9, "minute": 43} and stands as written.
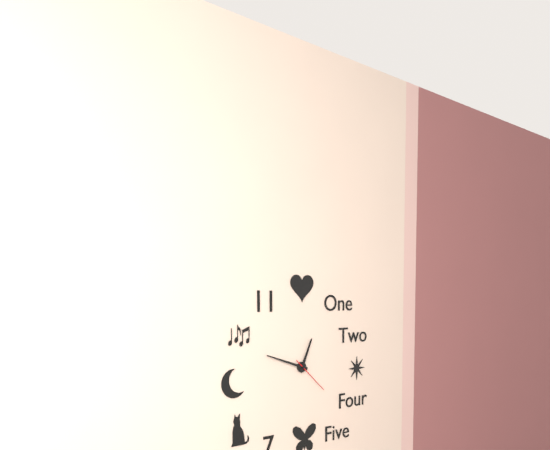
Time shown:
{"hour": 12, "minute": 48}
